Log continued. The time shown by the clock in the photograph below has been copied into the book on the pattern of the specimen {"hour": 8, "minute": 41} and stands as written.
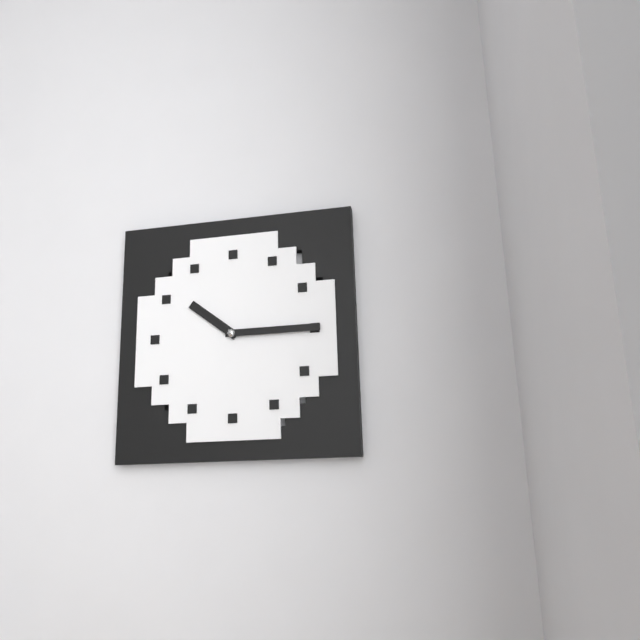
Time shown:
{"hour": 10, "minute": 15}
